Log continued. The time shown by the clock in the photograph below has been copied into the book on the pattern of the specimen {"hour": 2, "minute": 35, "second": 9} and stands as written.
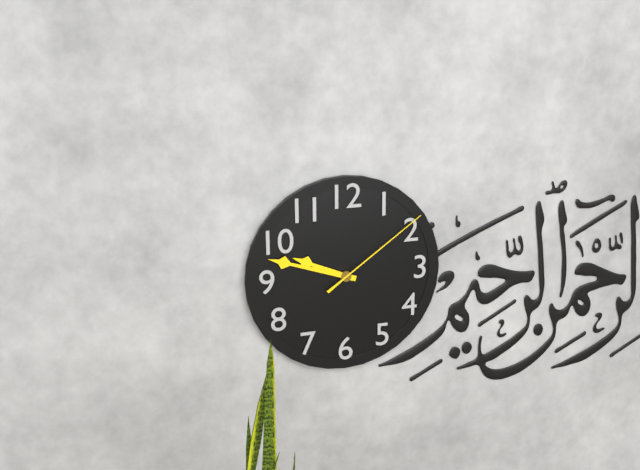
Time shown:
{"hour": 9, "minute": 48, "second": 9}
